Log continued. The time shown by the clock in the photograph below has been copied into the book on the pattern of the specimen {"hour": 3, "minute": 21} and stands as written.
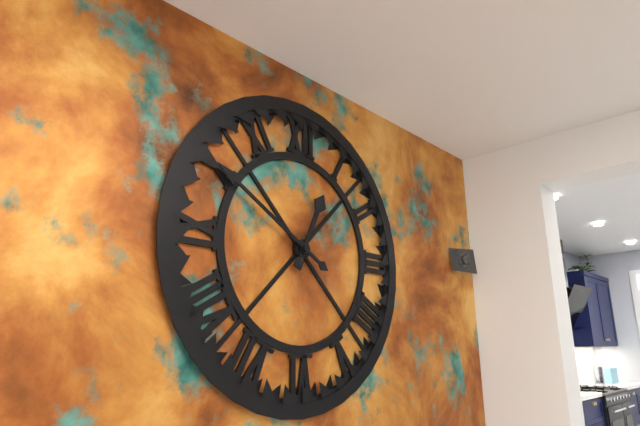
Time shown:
{"hour": 12, "minute": 50}
